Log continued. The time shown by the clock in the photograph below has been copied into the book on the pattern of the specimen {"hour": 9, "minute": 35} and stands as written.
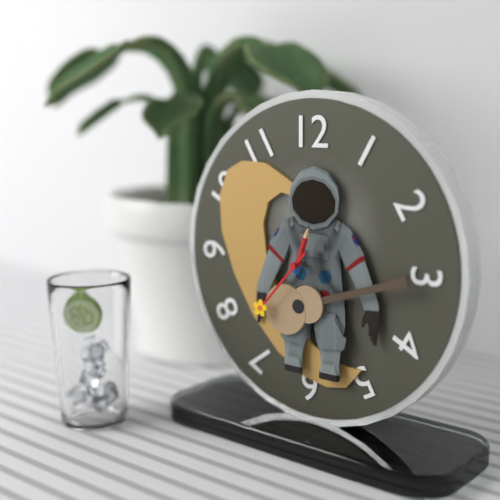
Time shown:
{"hour": 12, "minute": 37}
